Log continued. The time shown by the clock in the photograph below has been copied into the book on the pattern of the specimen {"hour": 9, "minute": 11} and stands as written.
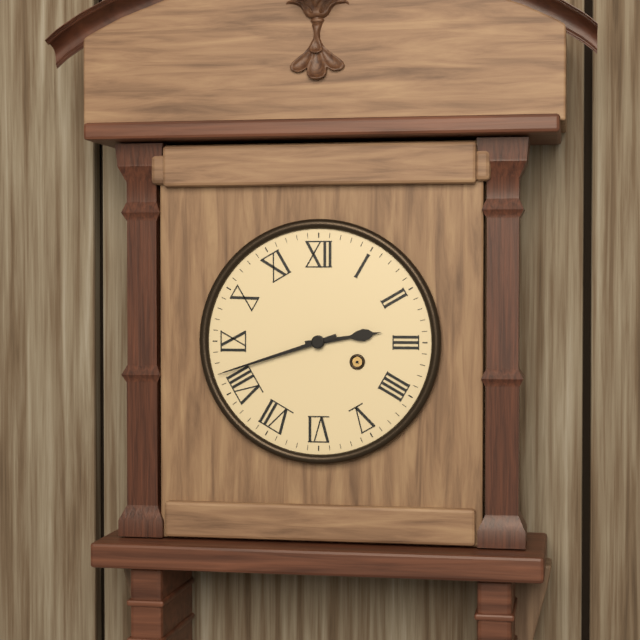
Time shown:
{"hour": 2, "minute": 42}
